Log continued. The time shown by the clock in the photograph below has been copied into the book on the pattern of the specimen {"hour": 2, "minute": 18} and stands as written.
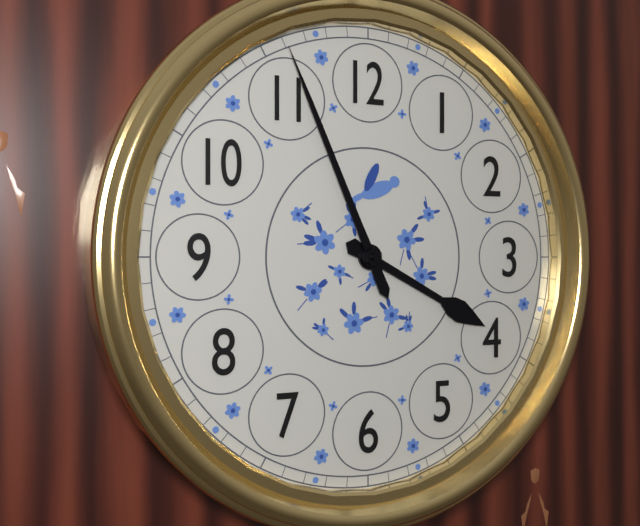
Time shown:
{"hour": 3, "minute": 56}
